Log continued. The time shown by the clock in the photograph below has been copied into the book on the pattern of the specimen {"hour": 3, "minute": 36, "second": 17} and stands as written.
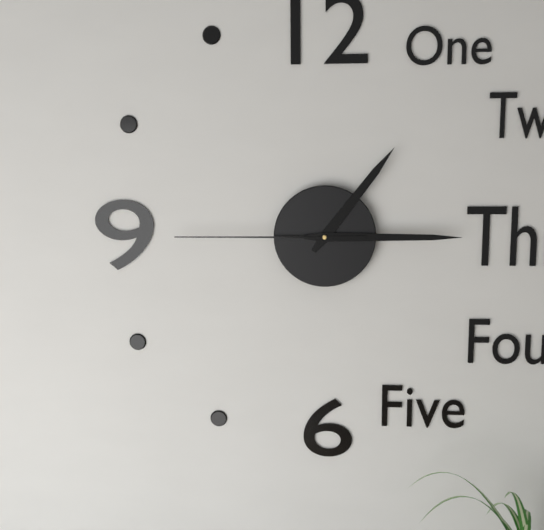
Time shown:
{"hour": 1, "minute": 15, "second": 45}
